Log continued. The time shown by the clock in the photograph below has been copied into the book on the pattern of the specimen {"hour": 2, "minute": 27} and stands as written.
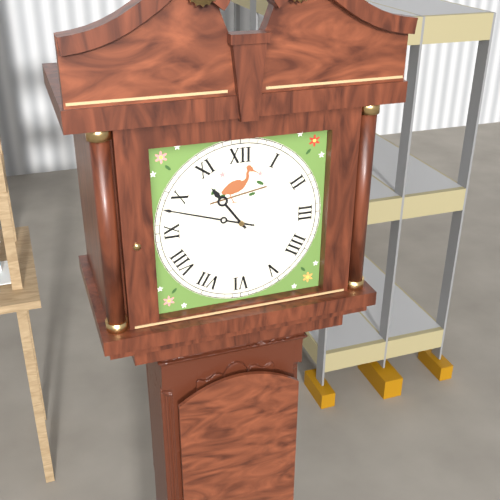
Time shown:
{"hour": 10, "minute": 48}
